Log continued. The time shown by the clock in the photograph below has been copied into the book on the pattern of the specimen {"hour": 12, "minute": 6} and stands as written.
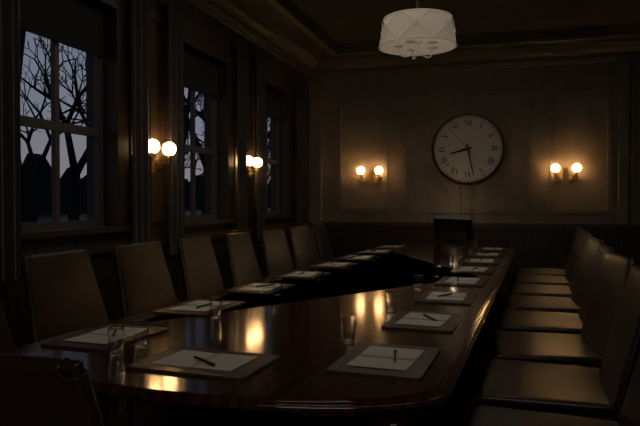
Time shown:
{"hour": 8, "minute": 28}
